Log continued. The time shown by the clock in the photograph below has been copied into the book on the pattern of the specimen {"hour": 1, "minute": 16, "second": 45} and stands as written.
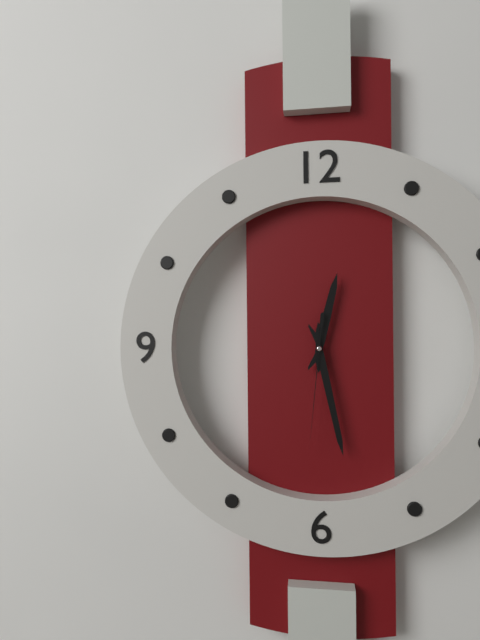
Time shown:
{"hour": 12, "minute": 28, "second": 31}
